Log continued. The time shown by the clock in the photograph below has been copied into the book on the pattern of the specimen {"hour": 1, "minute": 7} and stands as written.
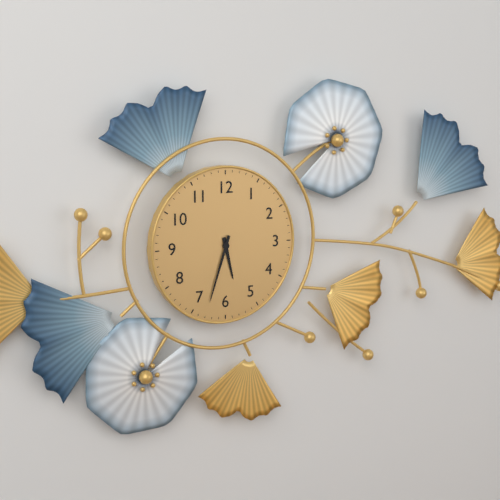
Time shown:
{"hour": 5, "minute": 33}
